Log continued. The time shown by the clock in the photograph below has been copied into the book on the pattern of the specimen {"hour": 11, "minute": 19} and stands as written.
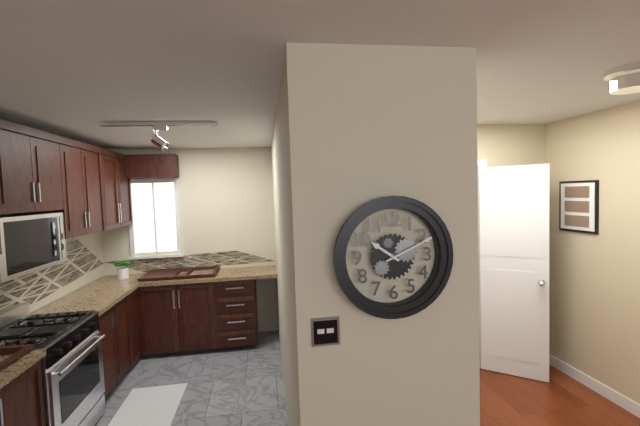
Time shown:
{"hour": 10, "minute": 11}
